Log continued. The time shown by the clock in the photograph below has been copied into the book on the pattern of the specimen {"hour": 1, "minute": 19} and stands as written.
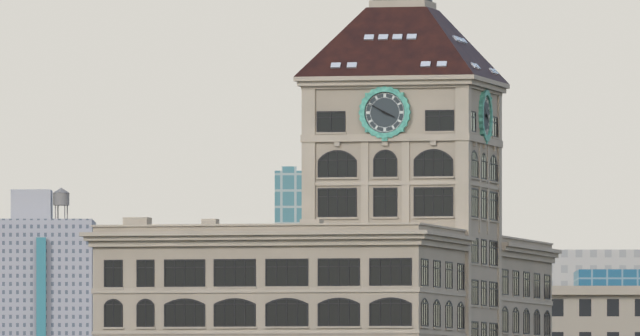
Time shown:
{"hour": 3, "minute": 50}
